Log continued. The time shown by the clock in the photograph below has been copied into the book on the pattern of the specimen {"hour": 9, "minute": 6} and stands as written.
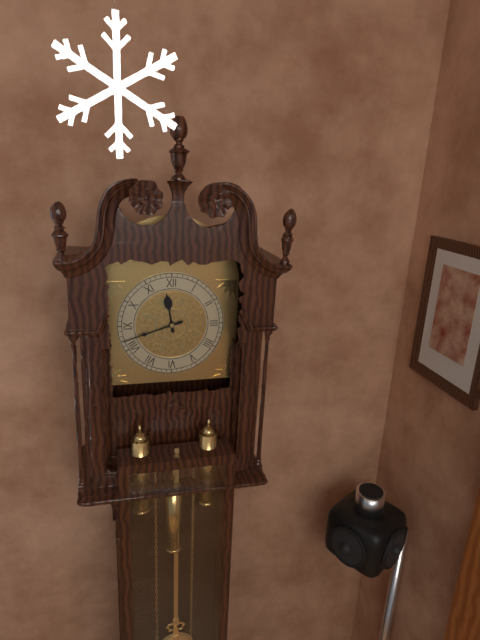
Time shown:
{"hour": 11, "minute": 42}
